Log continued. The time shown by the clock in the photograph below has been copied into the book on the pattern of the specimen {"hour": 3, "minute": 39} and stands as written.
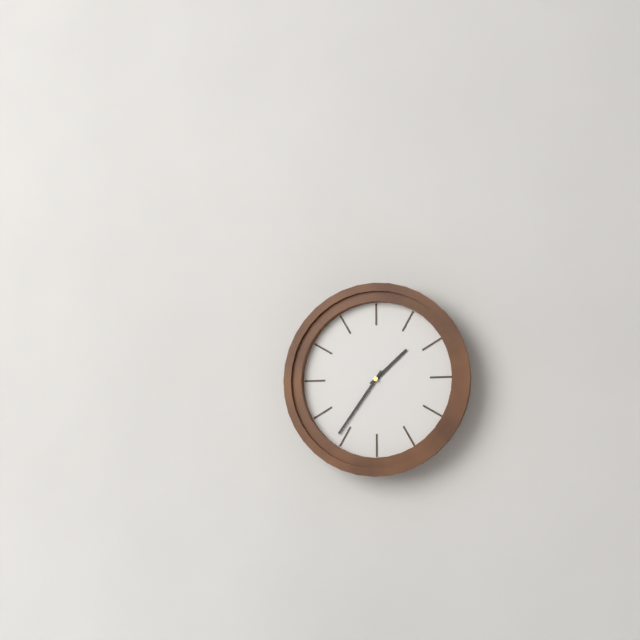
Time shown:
{"hour": 1, "minute": 36}
